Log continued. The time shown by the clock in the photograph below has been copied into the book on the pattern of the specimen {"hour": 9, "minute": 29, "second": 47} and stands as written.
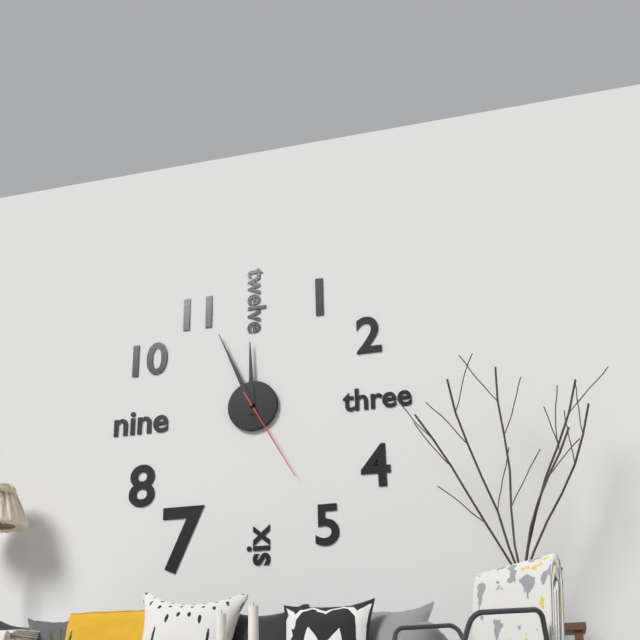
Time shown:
{"hour": 11, "minute": 56, "second": 25}
